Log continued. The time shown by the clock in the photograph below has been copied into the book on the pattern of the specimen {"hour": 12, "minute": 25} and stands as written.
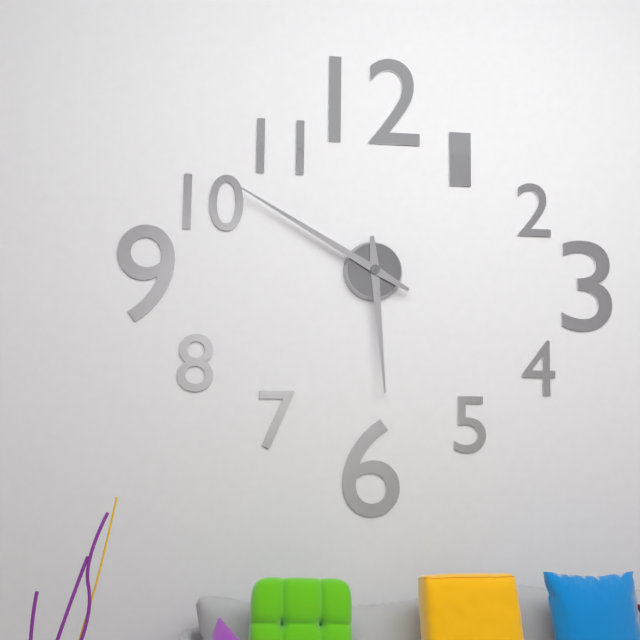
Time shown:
{"hour": 5, "minute": 50}
